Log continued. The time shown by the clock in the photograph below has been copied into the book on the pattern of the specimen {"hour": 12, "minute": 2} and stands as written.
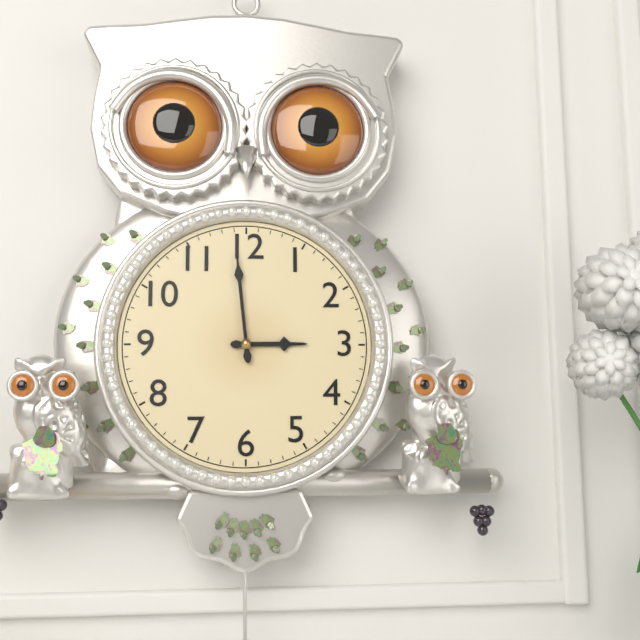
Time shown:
{"hour": 2, "minute": 59}
